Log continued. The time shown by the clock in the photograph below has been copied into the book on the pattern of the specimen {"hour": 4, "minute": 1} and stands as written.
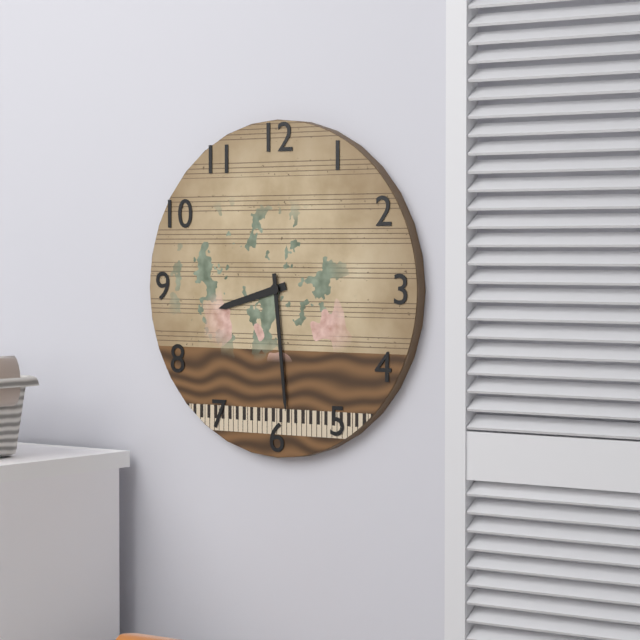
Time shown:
{"hour": 8, "minute": 29}
